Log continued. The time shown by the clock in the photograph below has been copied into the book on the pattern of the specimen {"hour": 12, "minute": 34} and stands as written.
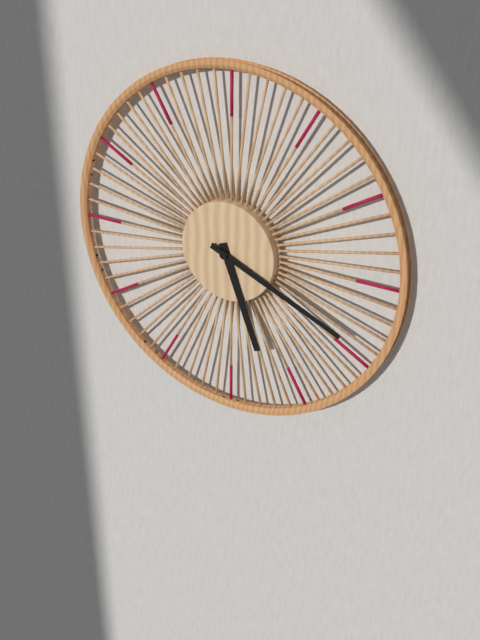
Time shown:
{"hour": 5, "minute": 19}
